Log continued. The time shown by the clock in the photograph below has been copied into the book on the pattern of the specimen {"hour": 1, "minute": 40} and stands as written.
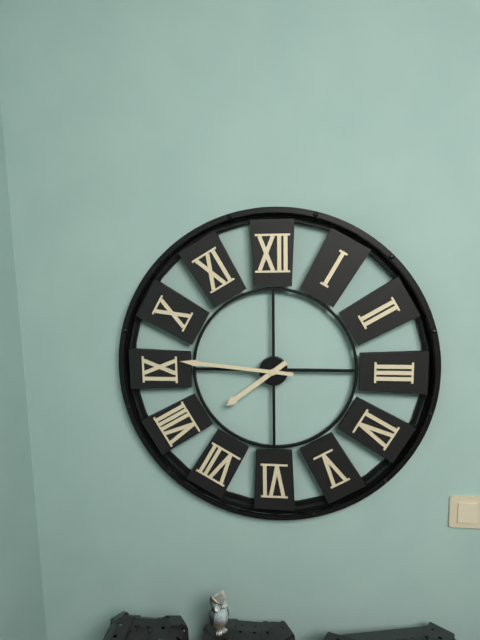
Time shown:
{"hour": 7, "minute": 46}
